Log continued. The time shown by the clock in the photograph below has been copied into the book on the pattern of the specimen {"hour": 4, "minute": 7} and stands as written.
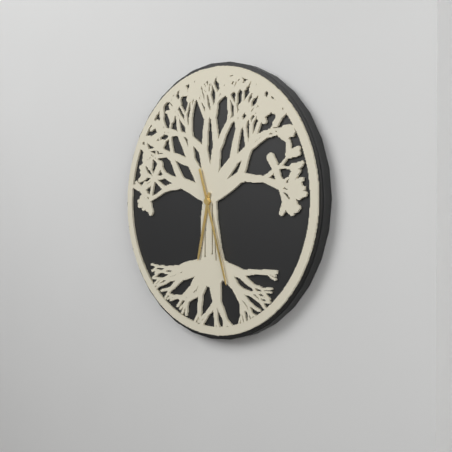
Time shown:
{"hour": 6, "minute": 27}
